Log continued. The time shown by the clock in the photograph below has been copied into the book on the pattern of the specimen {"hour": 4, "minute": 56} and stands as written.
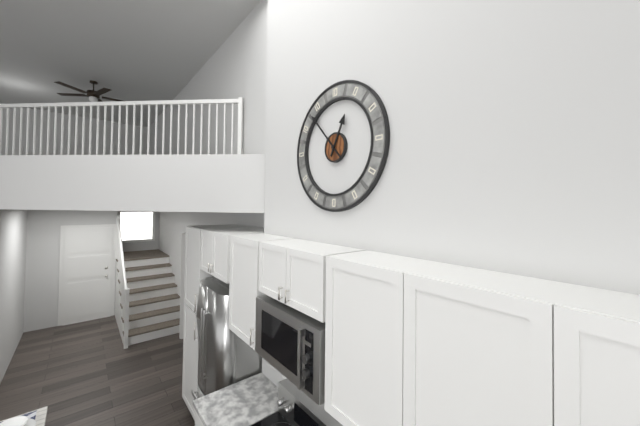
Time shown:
{"hour": 12, "minute": 53}
